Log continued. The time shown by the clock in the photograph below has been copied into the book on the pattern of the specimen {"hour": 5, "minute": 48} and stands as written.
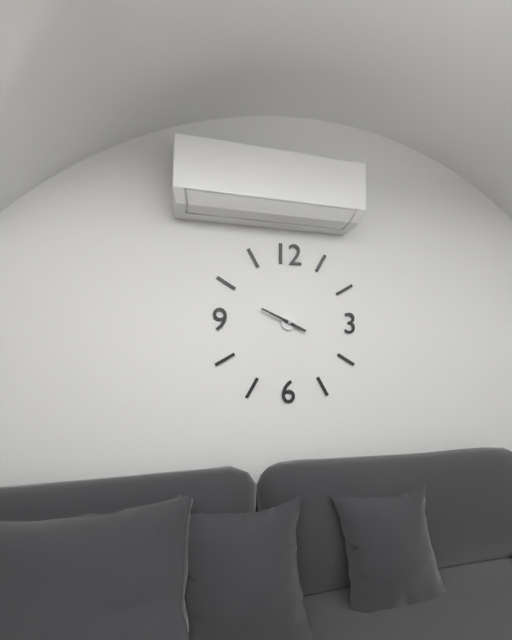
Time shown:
{"hour": 3, "minute": 49}
